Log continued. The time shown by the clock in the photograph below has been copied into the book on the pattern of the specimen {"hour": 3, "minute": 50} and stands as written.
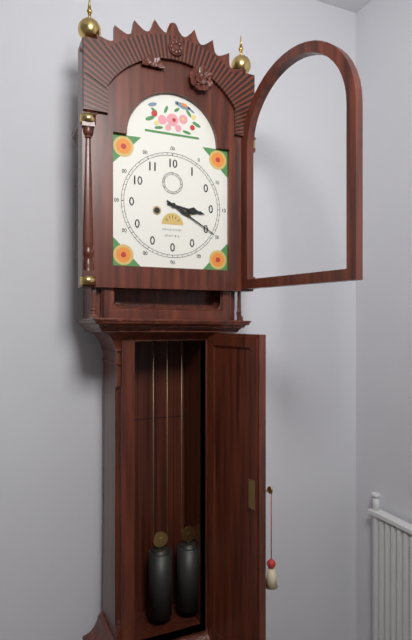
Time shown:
{"hour": 3, "minute": 20}
